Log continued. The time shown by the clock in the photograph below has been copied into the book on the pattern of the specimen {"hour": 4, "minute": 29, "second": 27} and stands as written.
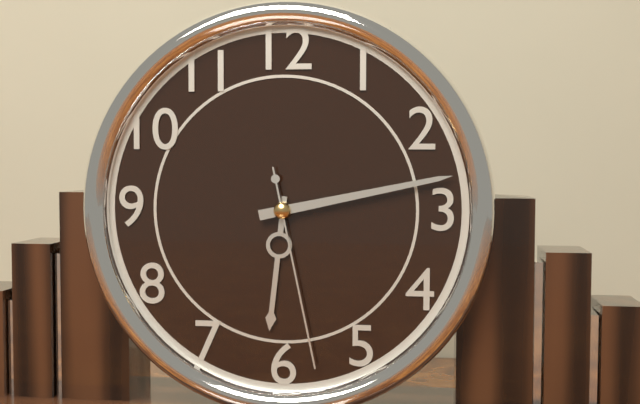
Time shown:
{"hour": 6, "minute": 13, "second": 28}
